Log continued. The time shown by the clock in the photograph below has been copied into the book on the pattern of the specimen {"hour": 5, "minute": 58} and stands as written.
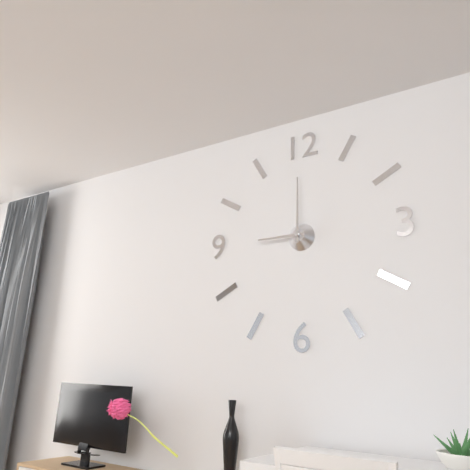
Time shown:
{"hour": 9, "minute": 0}
